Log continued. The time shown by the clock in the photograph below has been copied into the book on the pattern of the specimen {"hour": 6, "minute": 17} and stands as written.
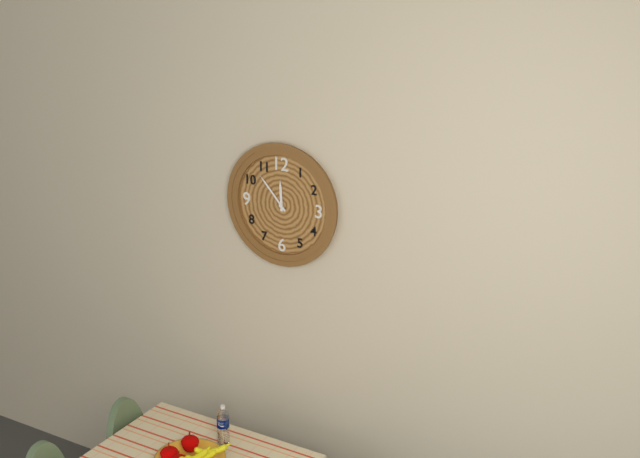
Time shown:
{"hour": 11, "minute": 53}
